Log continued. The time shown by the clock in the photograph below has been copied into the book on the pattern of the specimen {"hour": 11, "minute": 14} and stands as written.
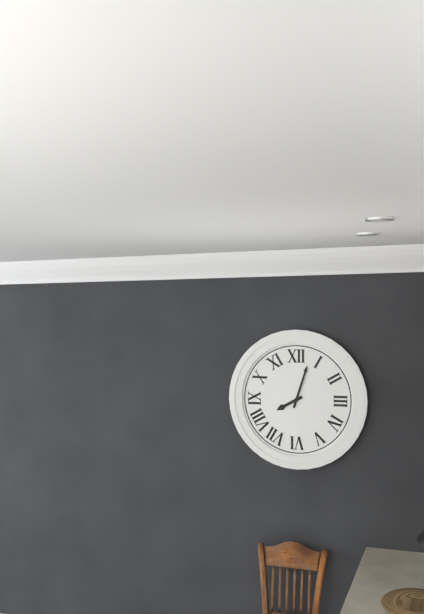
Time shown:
{"hour": 8, "minute": 3}
